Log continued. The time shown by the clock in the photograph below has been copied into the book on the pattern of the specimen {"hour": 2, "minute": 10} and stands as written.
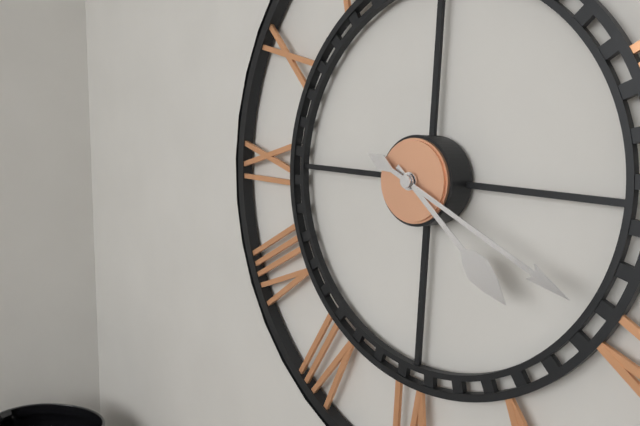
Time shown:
{"hour": 4, "minute": 19}
